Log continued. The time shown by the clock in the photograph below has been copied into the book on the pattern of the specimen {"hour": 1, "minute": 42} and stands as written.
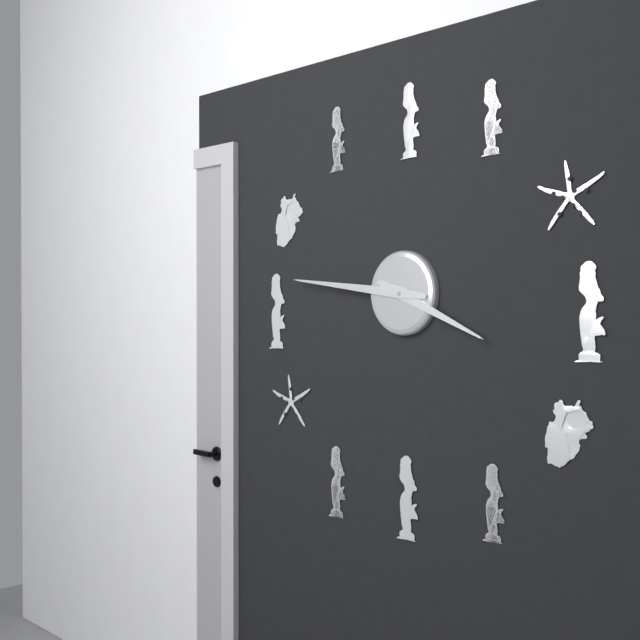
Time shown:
{"hour": 3, "minute": 46}
